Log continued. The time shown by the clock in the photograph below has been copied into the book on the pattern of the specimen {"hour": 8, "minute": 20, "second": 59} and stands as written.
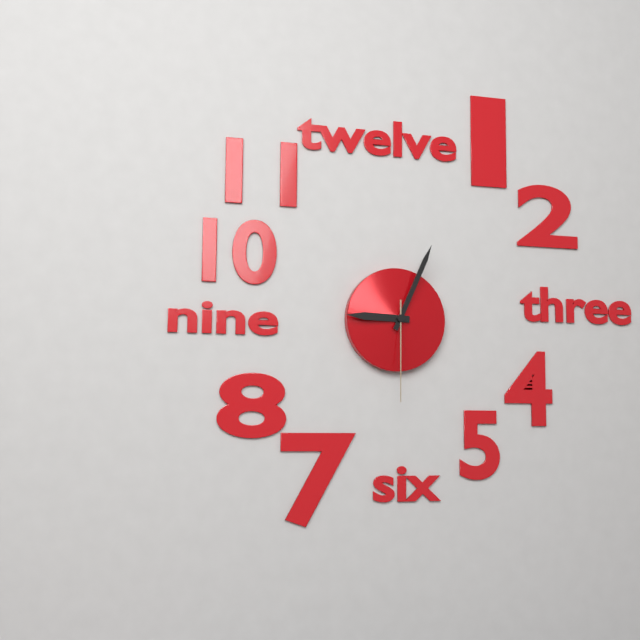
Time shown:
{"hour": 9, "minute": 4, "second": 30}
